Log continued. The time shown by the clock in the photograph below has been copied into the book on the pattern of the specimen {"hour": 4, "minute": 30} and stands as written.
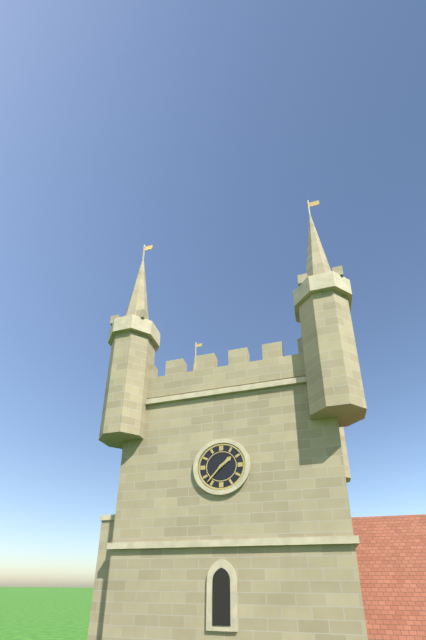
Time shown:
{"hour": 1, "minute": 37}
